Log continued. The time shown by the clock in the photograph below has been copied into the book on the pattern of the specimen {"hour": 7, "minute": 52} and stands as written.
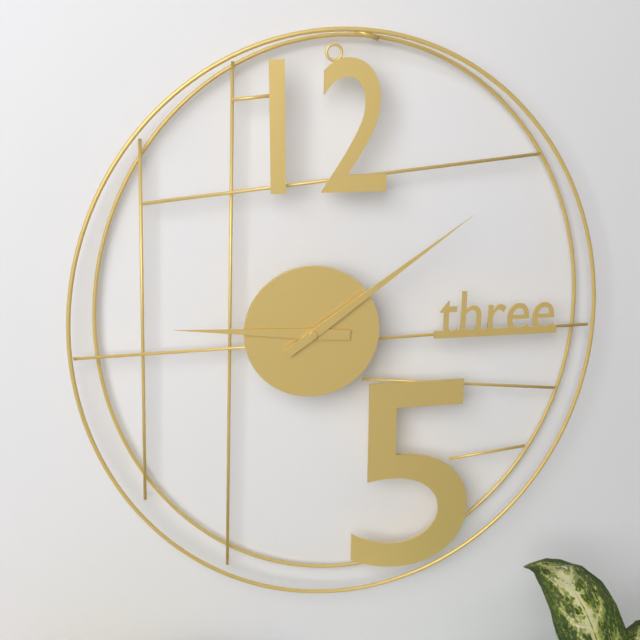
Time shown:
{"hour": 9, "minute": 9}
